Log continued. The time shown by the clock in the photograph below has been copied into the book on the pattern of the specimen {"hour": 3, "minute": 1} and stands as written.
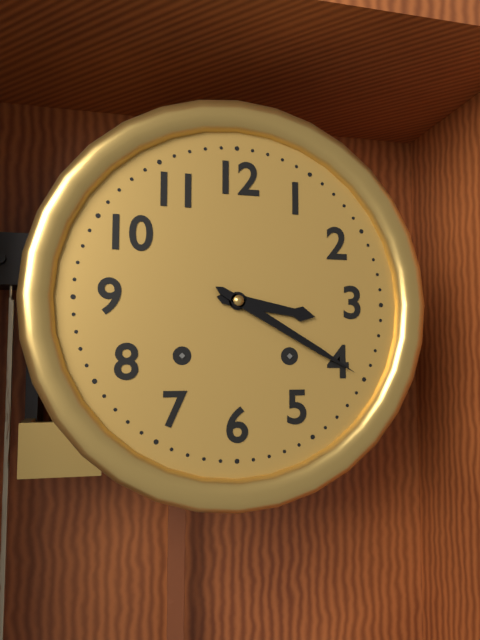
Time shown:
{"hour": 3, "minute": 20}
